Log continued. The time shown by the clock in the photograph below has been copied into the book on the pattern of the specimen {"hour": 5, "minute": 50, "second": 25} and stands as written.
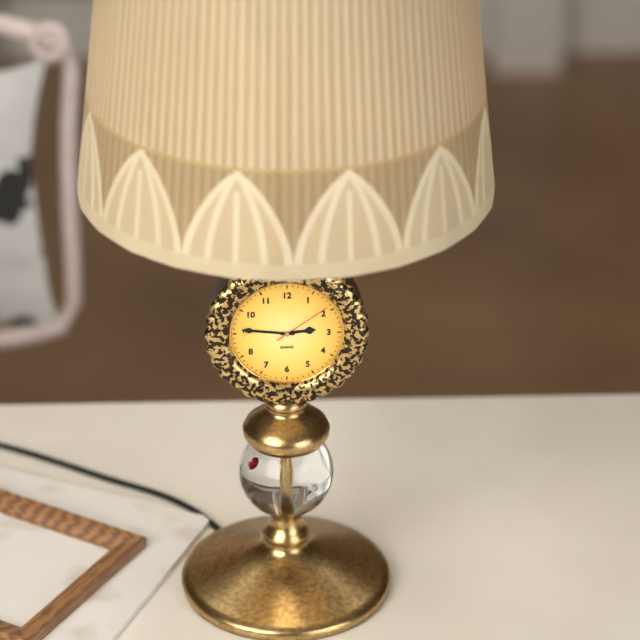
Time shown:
{"hour": 2, "minute": 46, "second": 9}
